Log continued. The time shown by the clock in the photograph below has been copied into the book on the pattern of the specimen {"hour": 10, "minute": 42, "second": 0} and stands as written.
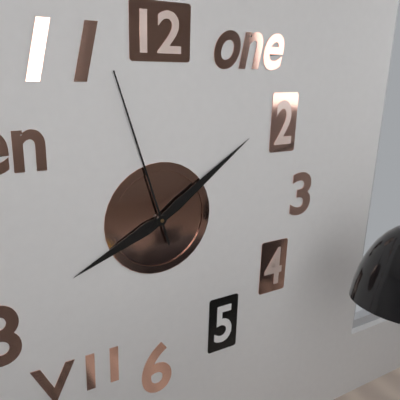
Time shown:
{"hour": 8, "minute": 9, "second": 57}
